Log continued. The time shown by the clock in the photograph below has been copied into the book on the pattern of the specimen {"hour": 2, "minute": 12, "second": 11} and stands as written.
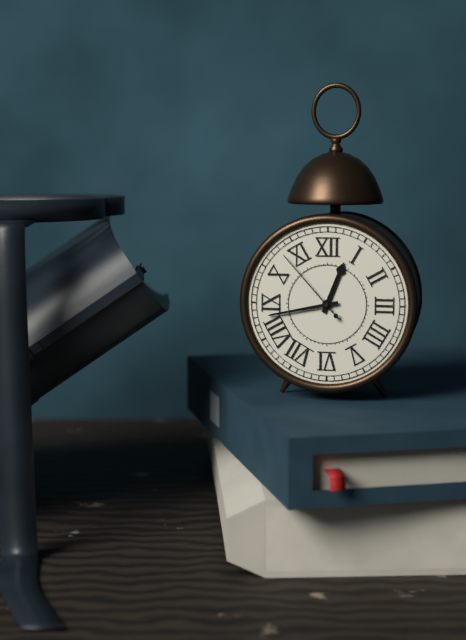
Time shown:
{"hour": 12, "minute": 43, "second": 53}
